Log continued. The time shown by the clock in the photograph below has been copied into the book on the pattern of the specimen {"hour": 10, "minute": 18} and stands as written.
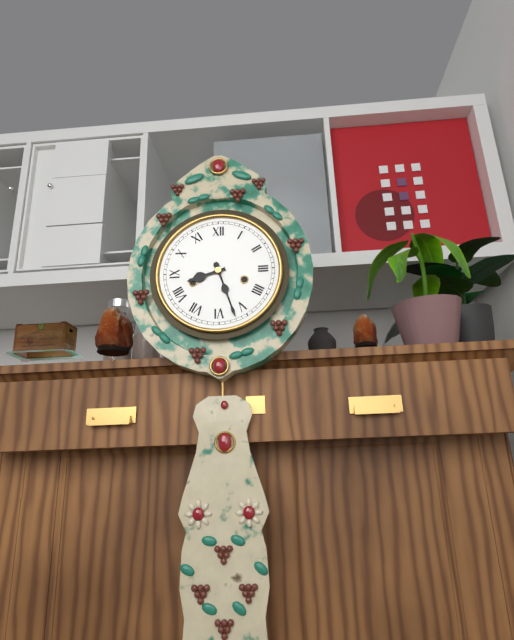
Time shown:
{"hour": 8, "minute": 27}
